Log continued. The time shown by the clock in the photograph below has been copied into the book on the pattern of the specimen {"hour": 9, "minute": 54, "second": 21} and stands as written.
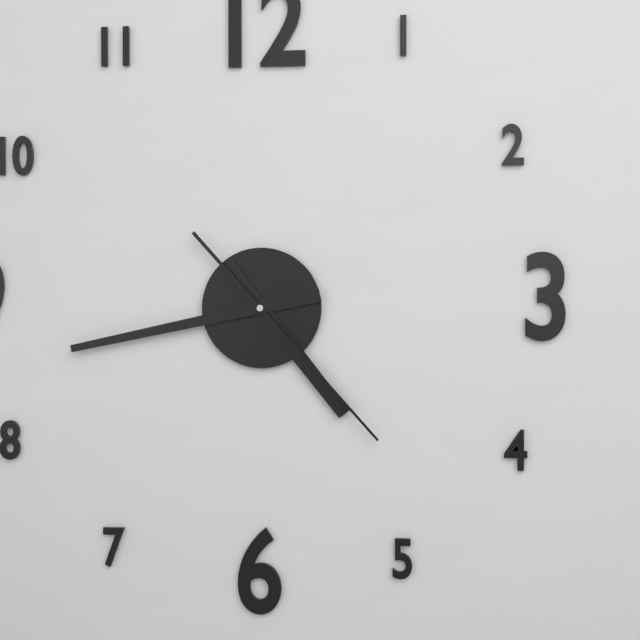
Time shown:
{"hour": 4, "minute": 43, "second": 23}
